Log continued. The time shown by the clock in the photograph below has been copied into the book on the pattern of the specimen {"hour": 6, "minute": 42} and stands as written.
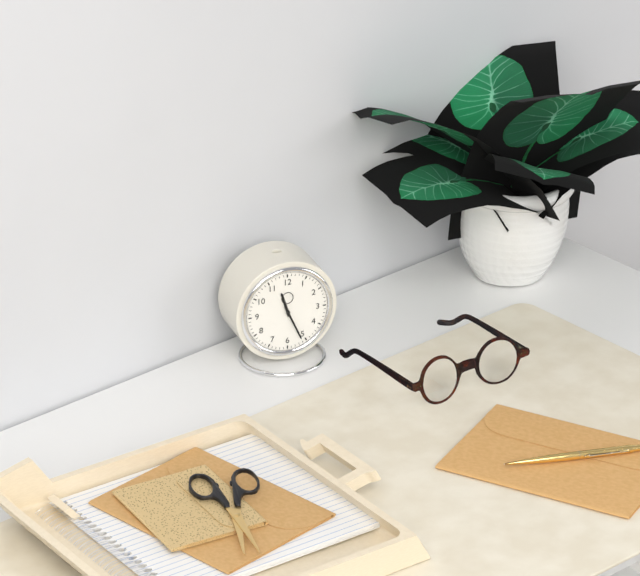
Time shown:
{"hour": 11, "minute": 26}
